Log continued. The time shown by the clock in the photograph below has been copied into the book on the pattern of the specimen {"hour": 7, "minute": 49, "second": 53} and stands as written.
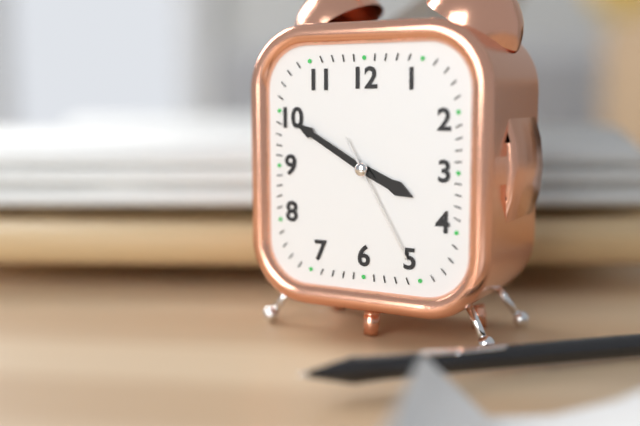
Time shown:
{"hour": 3, "minute": 50, "second": 25}
